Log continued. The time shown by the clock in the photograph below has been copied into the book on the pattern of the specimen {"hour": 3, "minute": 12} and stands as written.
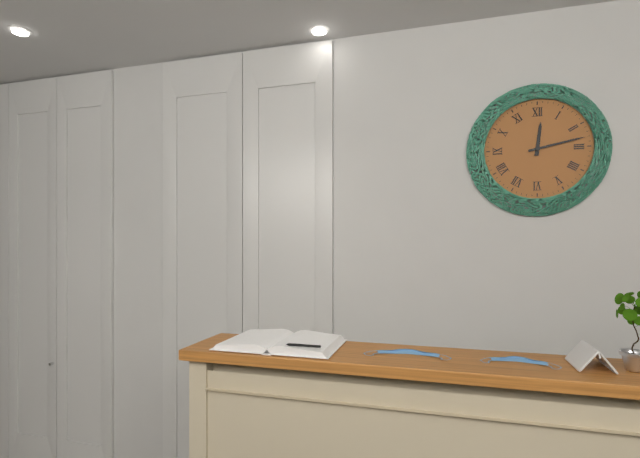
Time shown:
{"hour": 12, "minute": 13}
